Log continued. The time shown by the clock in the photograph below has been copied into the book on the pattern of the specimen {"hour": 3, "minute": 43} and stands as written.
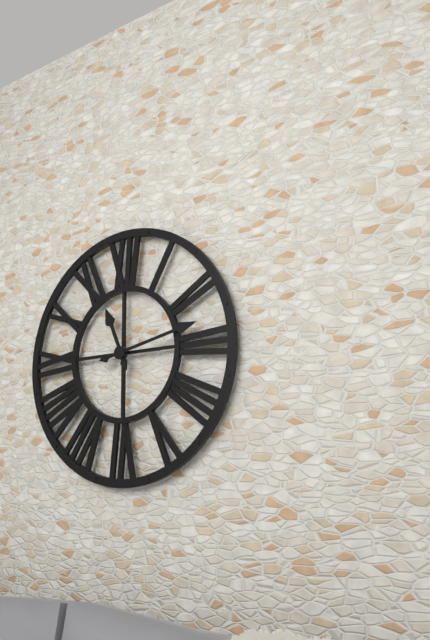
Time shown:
{"hour": 11, "minute": 13}
